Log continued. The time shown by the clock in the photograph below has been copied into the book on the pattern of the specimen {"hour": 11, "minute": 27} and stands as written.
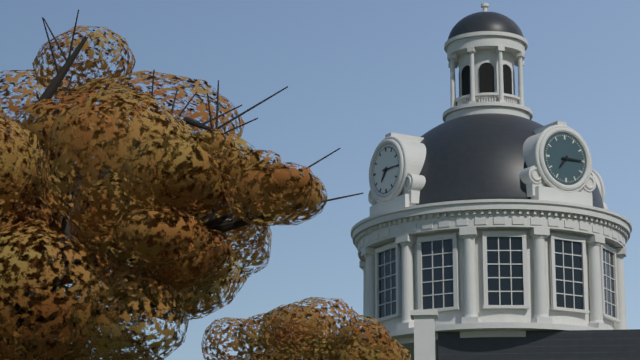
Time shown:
{"hour": 7, "minute": 15}
